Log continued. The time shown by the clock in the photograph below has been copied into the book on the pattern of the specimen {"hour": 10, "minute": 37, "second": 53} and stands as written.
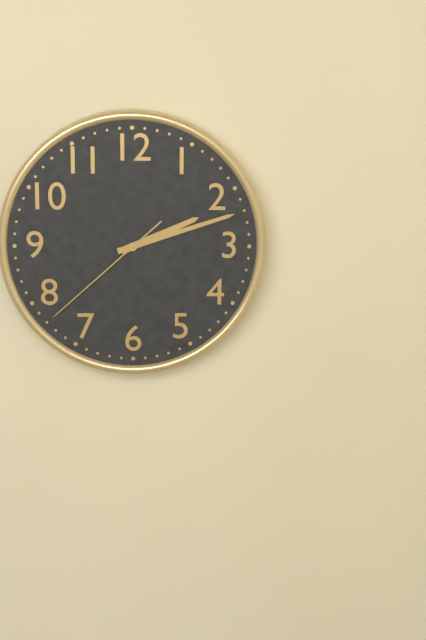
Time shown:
{"hour": 2, "minute": 12, "second": 38}
